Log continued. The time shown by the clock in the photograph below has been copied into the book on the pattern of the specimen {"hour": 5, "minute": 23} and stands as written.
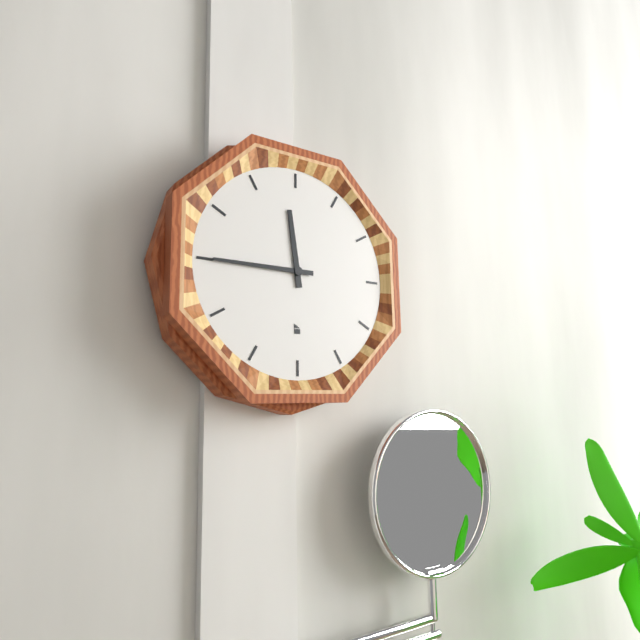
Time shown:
{"hour": 11, "minute": 45}
